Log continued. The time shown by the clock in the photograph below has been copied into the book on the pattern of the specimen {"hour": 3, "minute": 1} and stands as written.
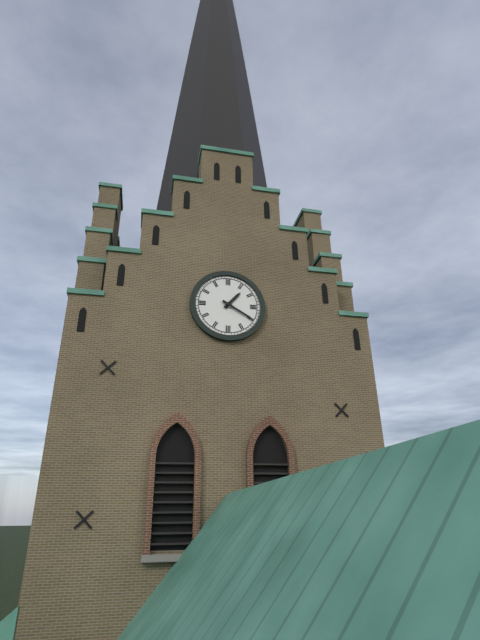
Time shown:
{"hour": 1, "minute": 20}
